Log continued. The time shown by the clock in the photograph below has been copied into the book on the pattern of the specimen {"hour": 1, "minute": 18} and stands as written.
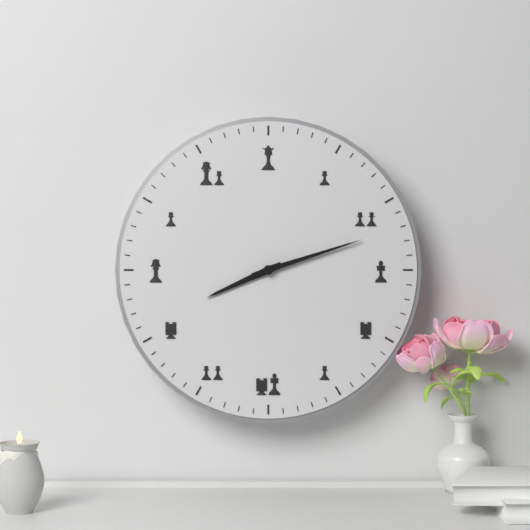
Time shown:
{"hour": 8, "minute": 12}
